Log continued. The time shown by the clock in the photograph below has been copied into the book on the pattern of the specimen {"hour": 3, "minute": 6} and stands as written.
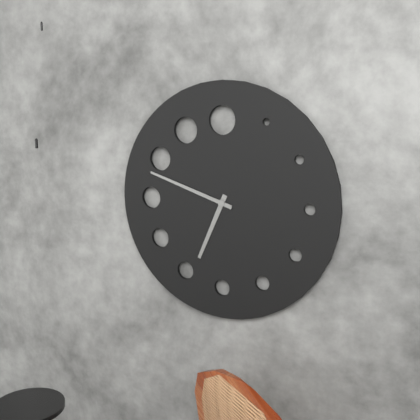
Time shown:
{"hour": 6, "minute": 48}
